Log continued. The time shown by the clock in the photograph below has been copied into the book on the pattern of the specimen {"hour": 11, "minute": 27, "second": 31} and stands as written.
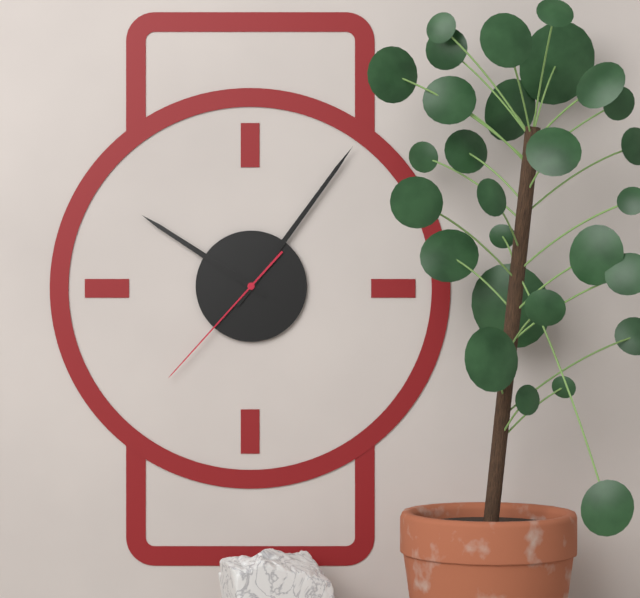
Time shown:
{"hour": 10, "minute": 6, "second": 37}
